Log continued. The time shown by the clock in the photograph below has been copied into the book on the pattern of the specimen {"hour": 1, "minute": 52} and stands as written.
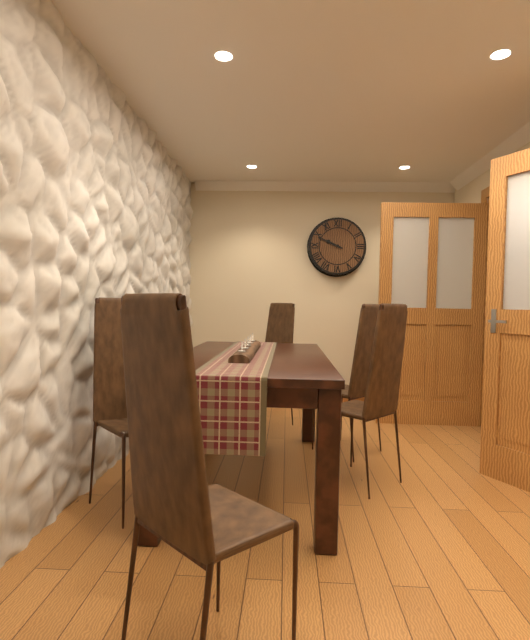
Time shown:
{"hour": 9, "minute": 49}
